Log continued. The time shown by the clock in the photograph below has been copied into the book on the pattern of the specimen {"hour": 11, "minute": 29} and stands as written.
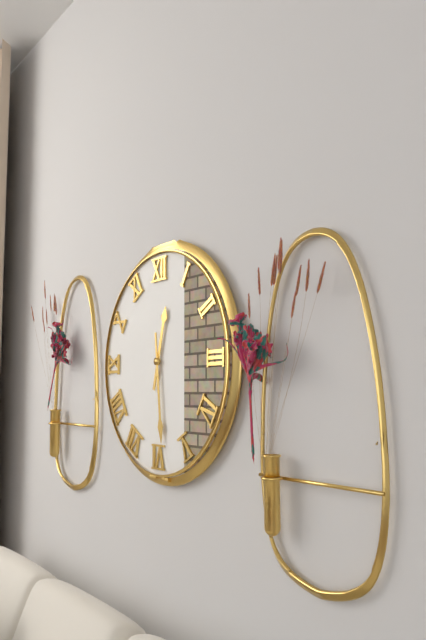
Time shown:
{"hour": 12, "minute": 29}
